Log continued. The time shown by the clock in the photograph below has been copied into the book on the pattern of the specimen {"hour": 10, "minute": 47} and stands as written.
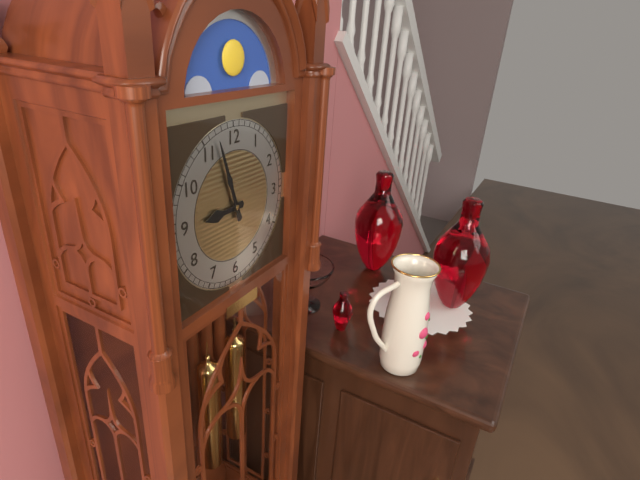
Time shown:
{"hour": 8, "minute": 57}
